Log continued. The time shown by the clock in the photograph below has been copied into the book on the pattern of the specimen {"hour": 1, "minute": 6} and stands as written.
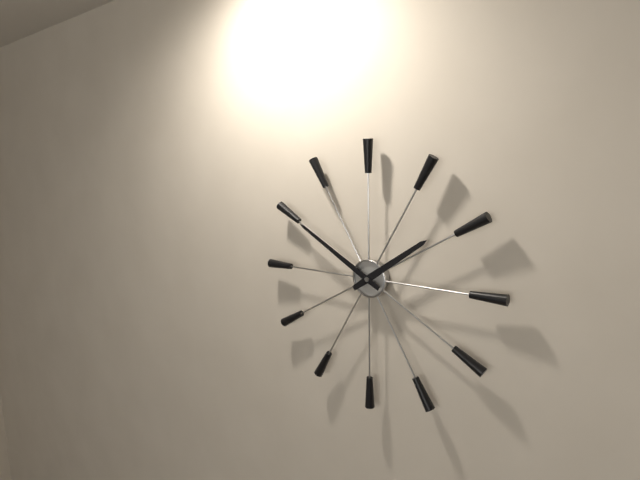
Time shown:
{"hour": 1, "minute": 50}
